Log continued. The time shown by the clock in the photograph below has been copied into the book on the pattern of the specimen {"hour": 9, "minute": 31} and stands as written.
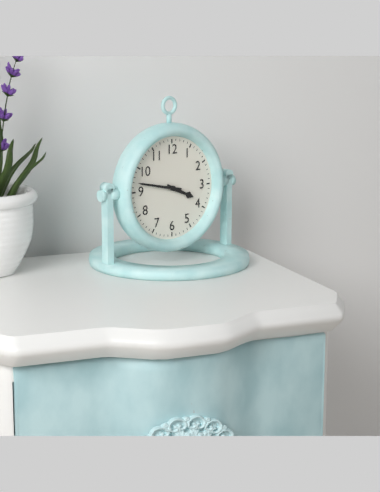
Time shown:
{"hour": 3, "minute": 47}
